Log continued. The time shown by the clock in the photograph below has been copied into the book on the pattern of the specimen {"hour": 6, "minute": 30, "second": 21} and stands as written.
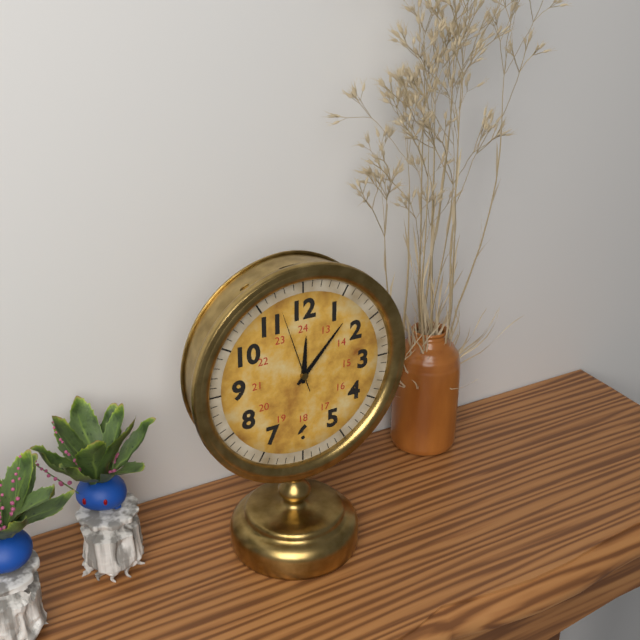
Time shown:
{"hour": 12, "minute": 7, "second": 57}
